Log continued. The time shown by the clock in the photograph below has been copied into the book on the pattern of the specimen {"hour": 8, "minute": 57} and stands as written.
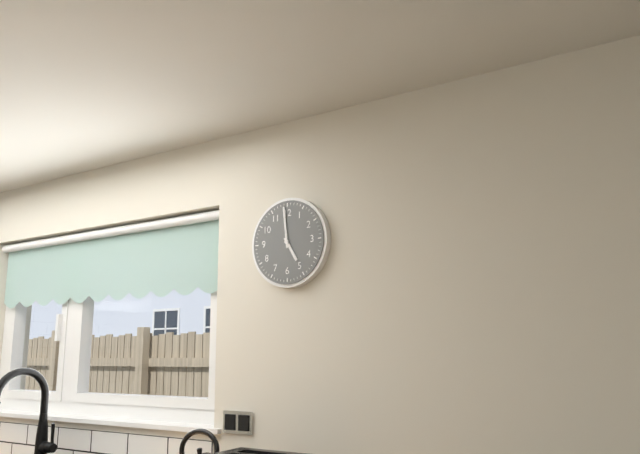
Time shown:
{"hour": 4, "minute": 59}
